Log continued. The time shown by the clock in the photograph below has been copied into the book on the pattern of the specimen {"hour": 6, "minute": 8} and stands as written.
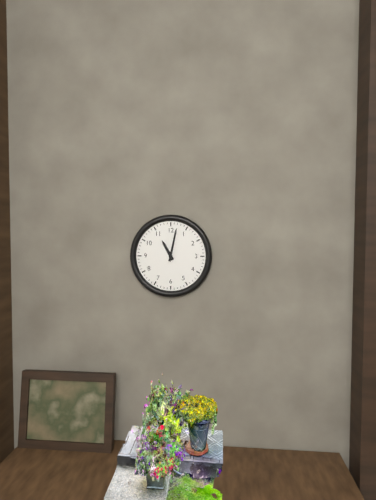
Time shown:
{"hour": 11, "minute": 2}
